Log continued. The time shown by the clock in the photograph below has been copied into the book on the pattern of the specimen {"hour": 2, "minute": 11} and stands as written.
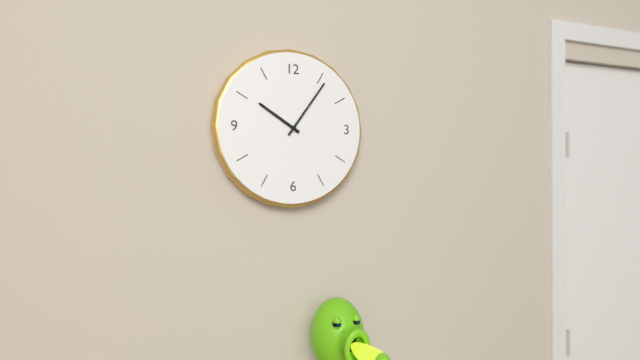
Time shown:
{"hour": 10, "minute": 6}
